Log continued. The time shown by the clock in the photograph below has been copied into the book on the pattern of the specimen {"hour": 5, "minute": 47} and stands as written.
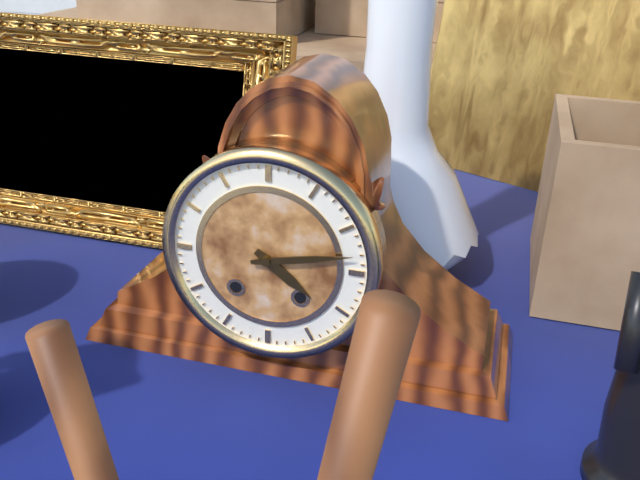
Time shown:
{"hour": 4, "minute": 13}
